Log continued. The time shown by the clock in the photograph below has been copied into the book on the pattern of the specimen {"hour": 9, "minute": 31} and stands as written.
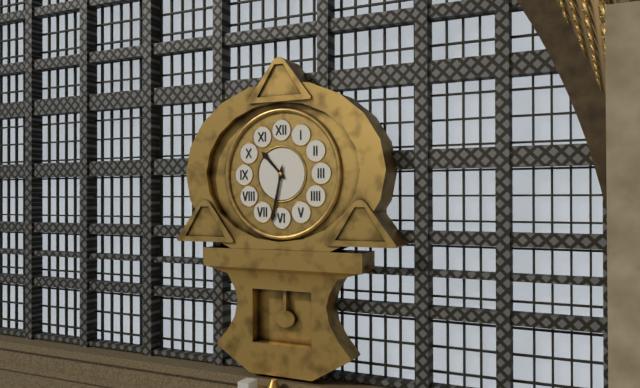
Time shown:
{"hour": 10, "minute": 32}
